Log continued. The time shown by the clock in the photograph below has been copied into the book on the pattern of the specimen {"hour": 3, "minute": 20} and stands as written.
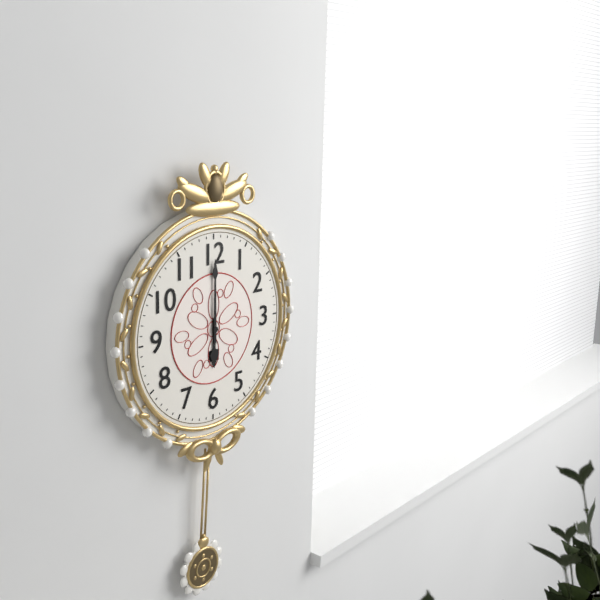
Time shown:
{"hour": 6, "minute": 0}
